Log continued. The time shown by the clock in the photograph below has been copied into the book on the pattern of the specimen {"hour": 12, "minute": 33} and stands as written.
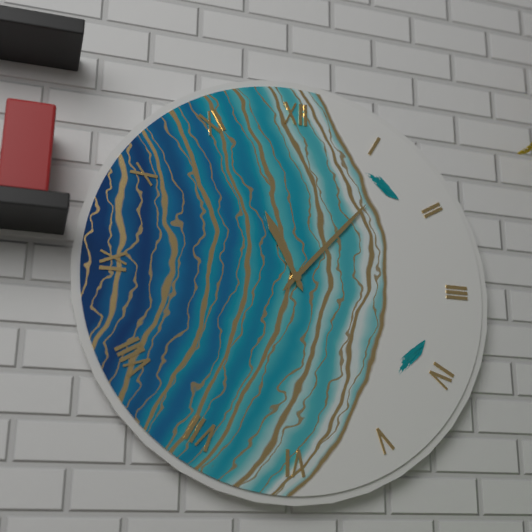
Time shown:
{"hour": 11, "minute": 7}
